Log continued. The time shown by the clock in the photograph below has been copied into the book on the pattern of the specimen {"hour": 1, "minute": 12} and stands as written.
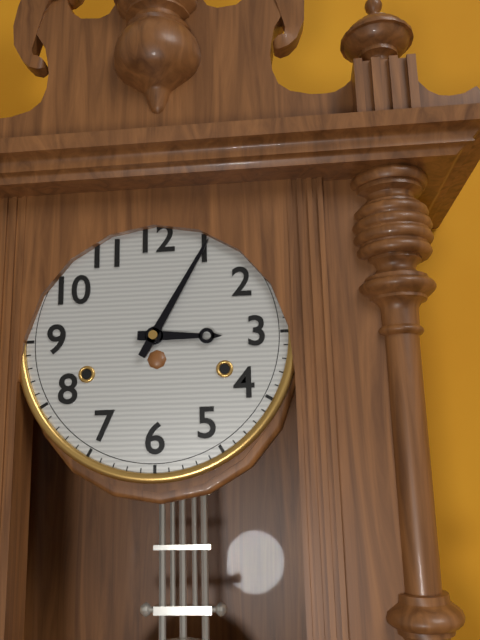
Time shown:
{"hour": 3, "minute": 5}
